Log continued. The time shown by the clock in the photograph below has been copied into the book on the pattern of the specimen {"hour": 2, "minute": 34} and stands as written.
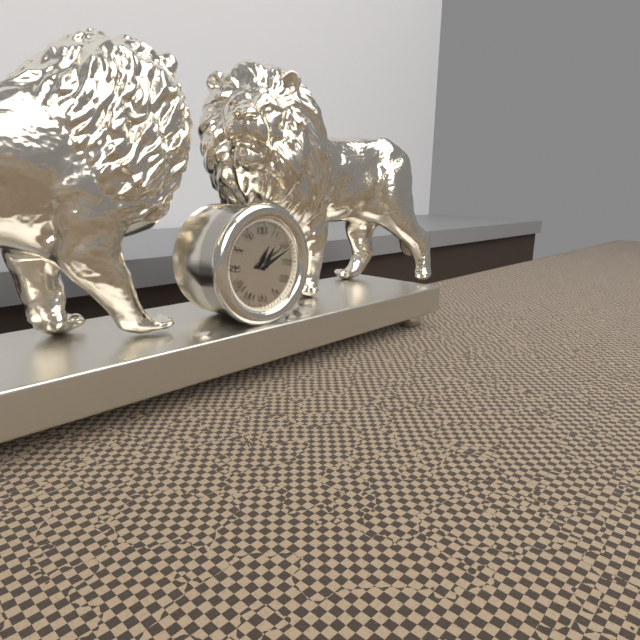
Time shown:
{"hour": 1, "minute": 11}
